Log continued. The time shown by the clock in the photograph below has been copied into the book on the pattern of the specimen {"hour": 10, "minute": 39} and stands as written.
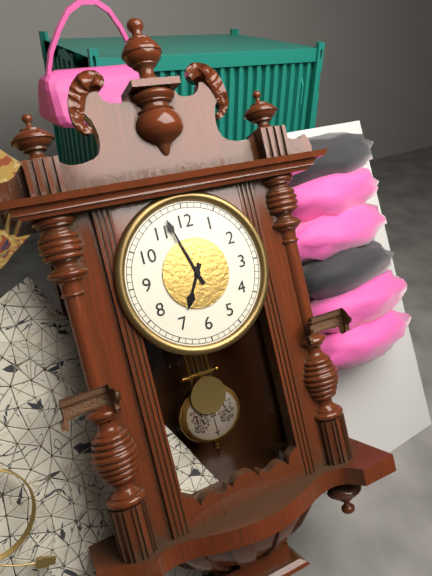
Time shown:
{"hour": 6, "minute": 57}
